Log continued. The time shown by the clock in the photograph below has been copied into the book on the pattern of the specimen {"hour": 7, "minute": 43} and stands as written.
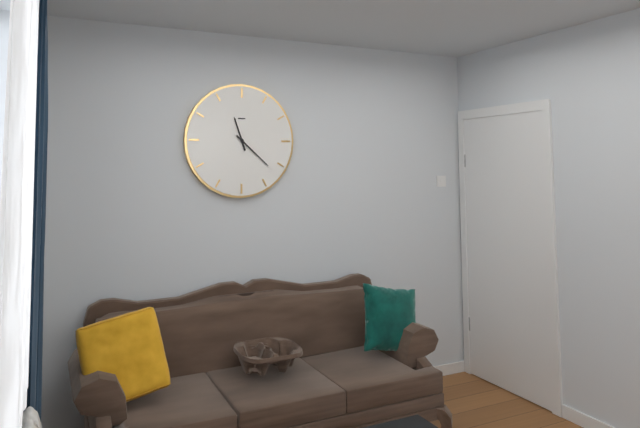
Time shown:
{"hour": 11, "minute": 22}
